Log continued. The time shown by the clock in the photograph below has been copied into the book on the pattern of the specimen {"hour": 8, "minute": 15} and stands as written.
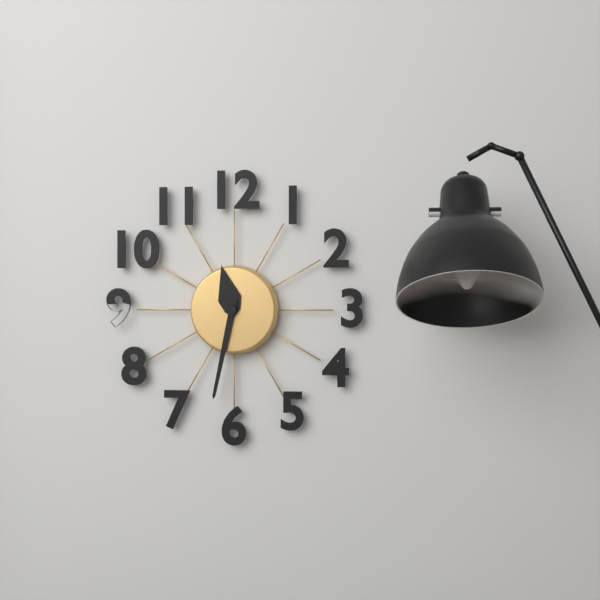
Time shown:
{"hour": 11, "minute": 32}
